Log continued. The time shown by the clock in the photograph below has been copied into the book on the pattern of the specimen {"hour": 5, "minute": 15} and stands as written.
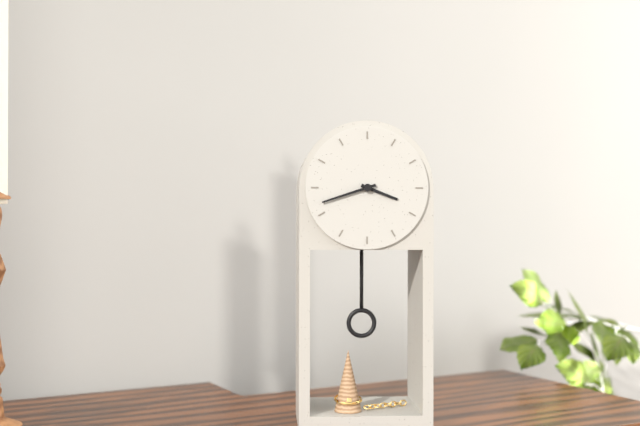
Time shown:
{"hour": 3, "minute": 42}
